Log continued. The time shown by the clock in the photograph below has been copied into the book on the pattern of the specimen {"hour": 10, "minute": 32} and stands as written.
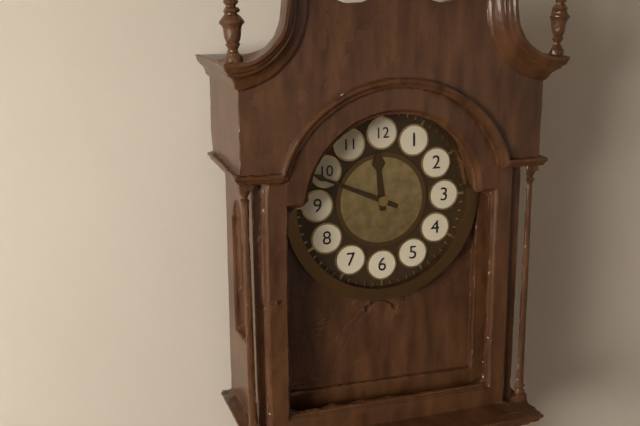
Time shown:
{"hour": 11, "minute": 49}
